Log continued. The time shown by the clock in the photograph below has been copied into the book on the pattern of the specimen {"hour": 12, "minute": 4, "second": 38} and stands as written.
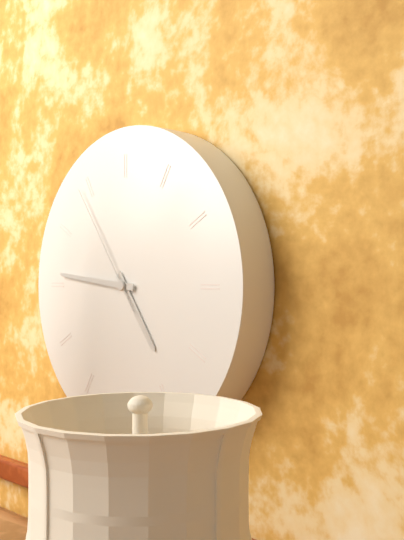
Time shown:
{"hour": 4, "minute": 46, "second": 54}
